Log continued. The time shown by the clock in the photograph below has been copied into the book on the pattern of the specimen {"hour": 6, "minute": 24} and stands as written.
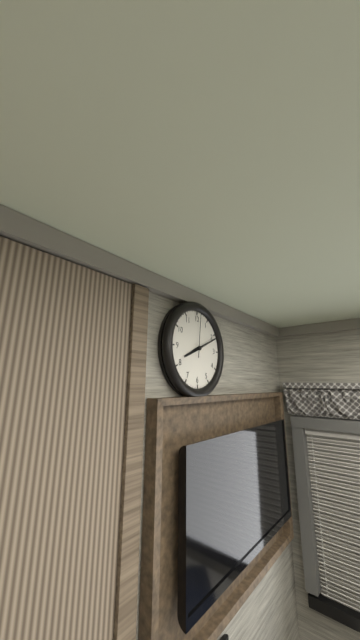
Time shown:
{"hour": 8, "minute": 11}
